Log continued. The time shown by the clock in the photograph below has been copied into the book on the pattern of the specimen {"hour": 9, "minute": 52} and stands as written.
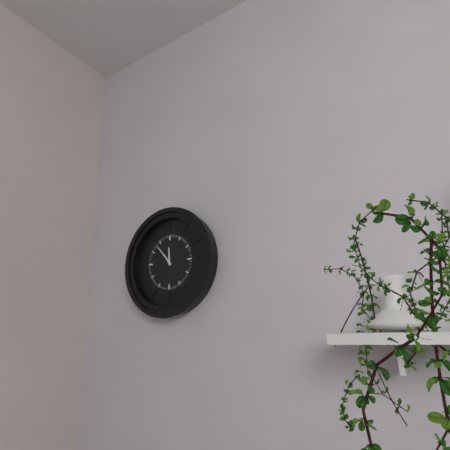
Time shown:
{"hour": 11, "minute": 53}
